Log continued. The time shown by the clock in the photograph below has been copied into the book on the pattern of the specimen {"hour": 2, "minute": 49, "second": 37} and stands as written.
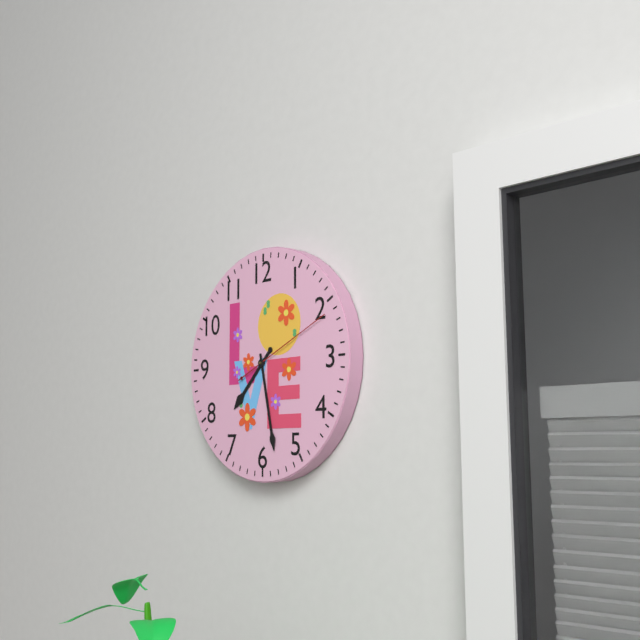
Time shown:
{"hour": 7, "minute": 28, "second": 11}
